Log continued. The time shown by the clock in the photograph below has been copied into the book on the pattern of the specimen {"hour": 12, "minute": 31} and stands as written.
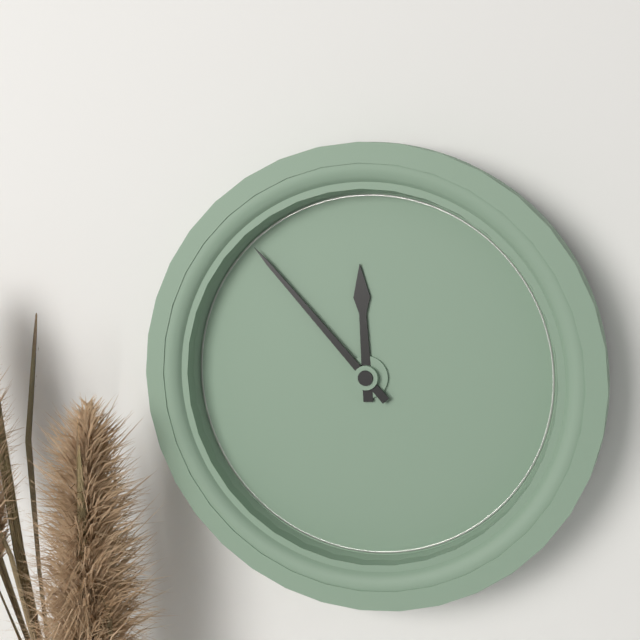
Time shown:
{"hour": 11, "minute": 53}
